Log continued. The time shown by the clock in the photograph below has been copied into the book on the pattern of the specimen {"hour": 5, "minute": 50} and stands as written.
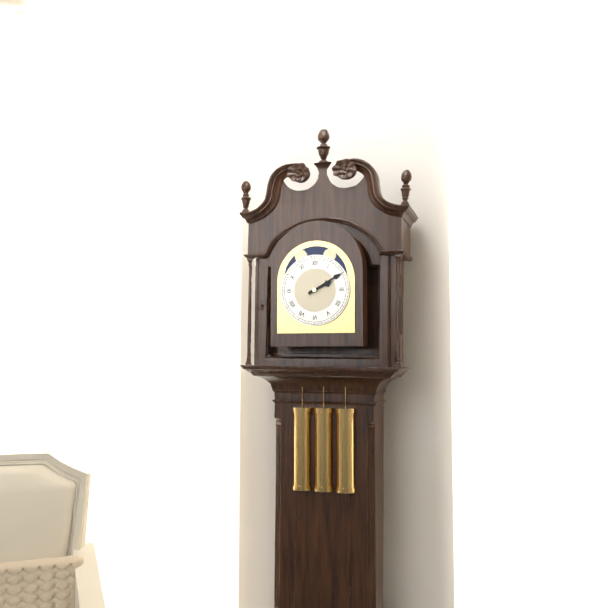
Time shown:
{"hour": 2, "minute": 10}
